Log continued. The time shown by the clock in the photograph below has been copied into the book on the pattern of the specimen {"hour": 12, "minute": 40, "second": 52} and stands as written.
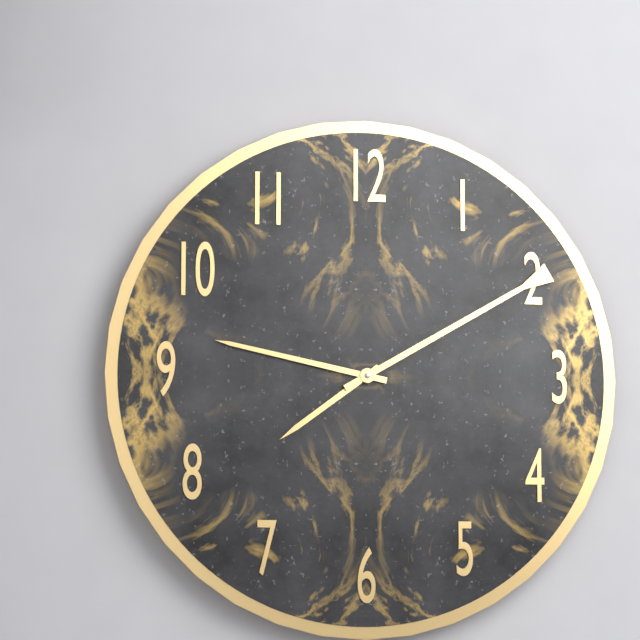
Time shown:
{"hour": 7, "minute": 47, "second": 10}
